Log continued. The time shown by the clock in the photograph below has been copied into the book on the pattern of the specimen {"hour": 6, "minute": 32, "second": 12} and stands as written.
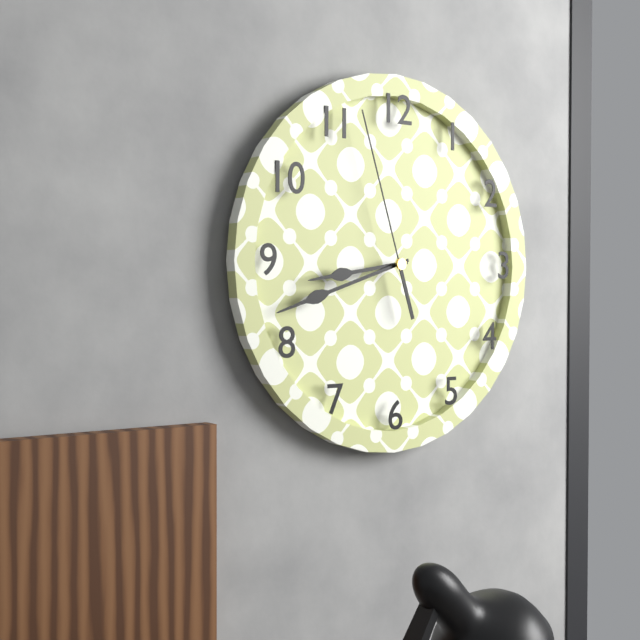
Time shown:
{"hour": 8, "minute": 42, "second": 57}
